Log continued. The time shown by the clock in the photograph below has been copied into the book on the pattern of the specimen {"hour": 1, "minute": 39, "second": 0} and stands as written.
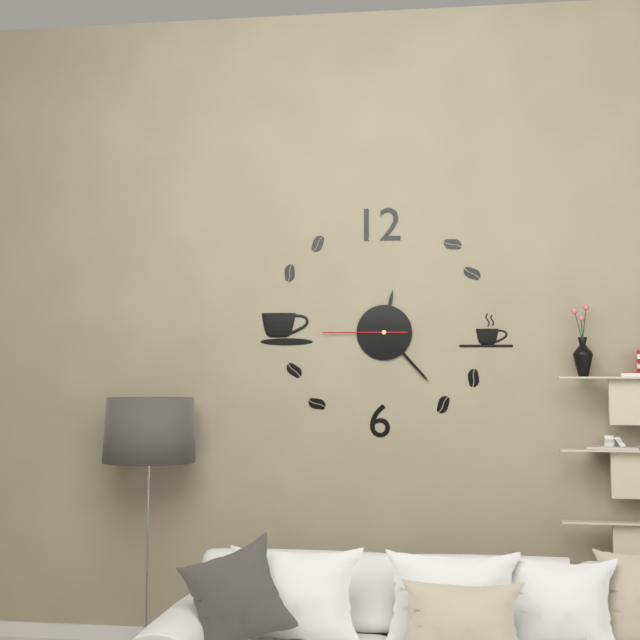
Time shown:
{"hour": 12, "minute": 23, "second": 45}
